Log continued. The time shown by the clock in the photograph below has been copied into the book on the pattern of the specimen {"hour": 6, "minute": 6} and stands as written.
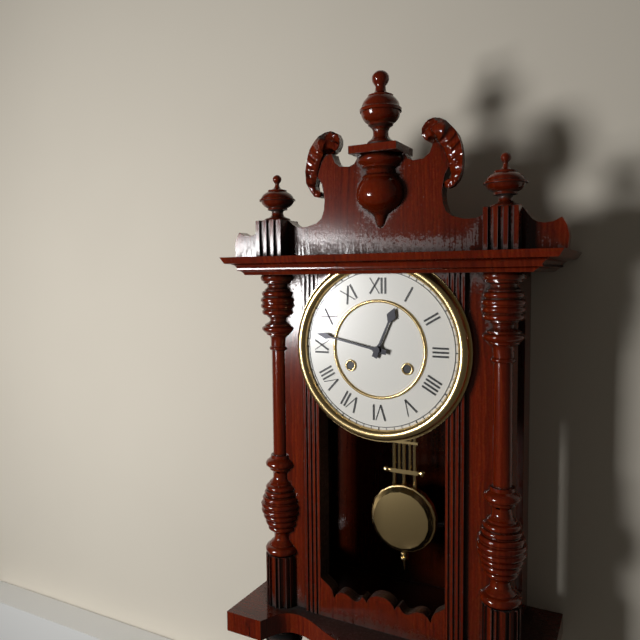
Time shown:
{"hour": 12, "minute": 47}
